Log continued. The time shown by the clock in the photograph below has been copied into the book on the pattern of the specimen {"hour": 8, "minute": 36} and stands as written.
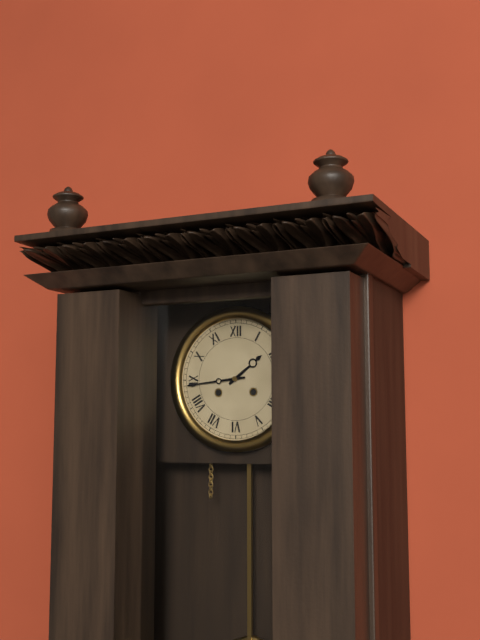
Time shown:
{"hour": 1, "minute": 44}
